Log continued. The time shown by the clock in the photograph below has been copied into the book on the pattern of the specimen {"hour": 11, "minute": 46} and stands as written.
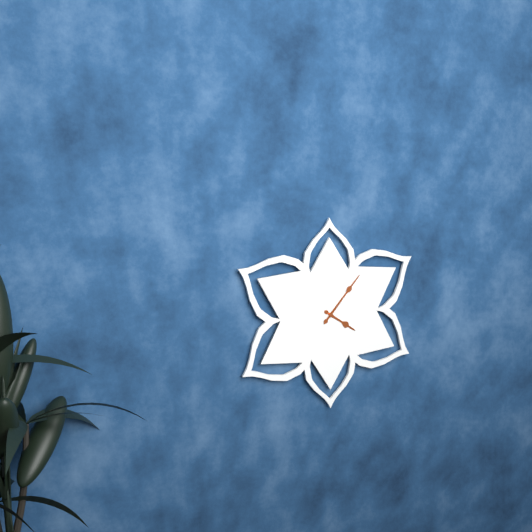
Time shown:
{"hour": 4, "minute": 7}
